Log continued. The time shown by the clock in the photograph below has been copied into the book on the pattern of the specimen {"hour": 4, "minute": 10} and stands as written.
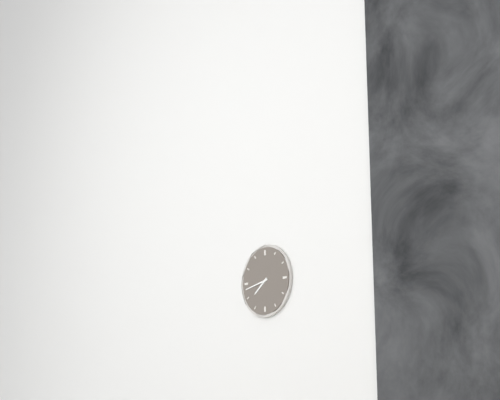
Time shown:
{"hour": 7, "minute": 43}
